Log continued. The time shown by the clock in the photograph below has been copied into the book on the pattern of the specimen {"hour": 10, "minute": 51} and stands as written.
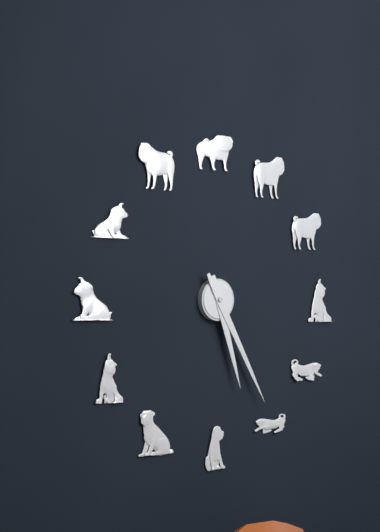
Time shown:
{"hour": 5, "minute": 25}
